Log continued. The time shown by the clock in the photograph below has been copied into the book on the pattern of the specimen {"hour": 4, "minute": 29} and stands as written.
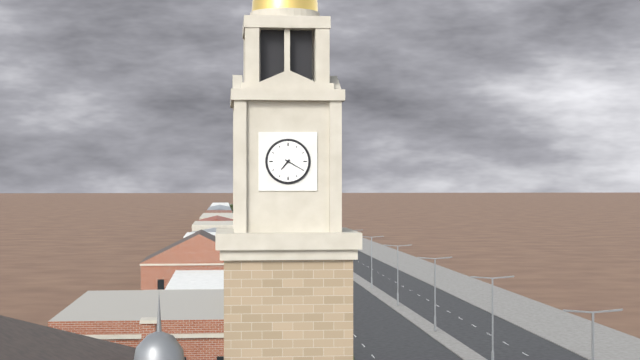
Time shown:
{"hour": 7, "minute": 20}
